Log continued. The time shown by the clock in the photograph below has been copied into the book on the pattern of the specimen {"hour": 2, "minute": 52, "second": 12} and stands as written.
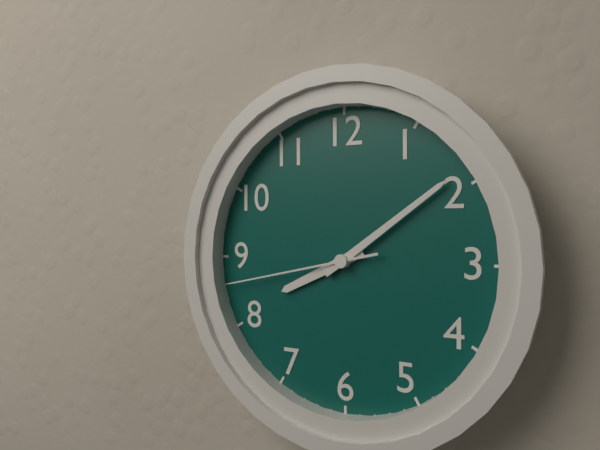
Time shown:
{"hour": 8, "minute": 9, "second": 43}
